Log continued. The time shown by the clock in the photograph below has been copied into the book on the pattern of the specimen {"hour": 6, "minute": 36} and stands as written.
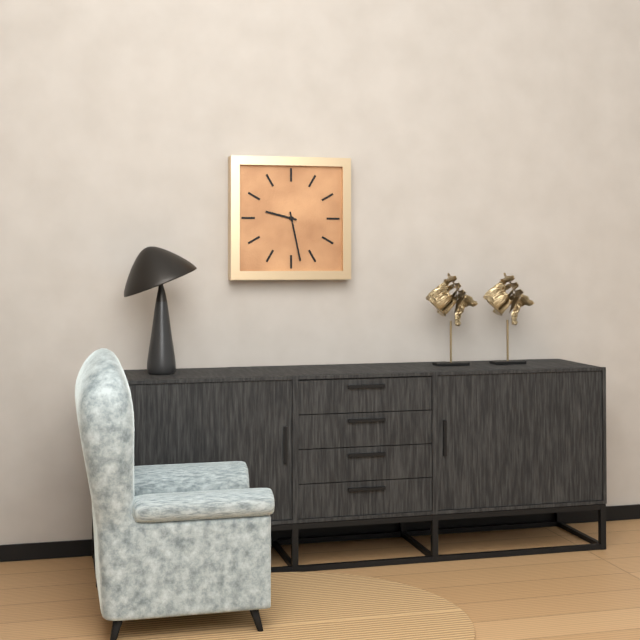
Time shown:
{"hour": 9, "minute": 28}
